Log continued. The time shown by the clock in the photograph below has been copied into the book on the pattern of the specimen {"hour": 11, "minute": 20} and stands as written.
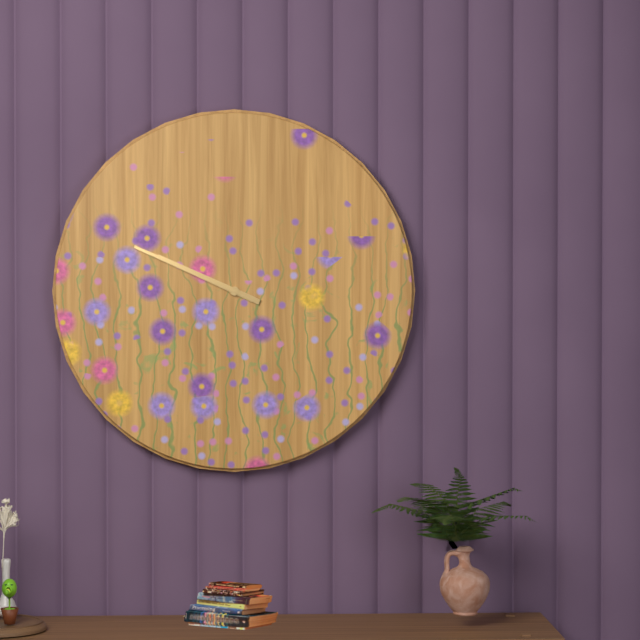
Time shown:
{"hour": 9, "minute": 49}
